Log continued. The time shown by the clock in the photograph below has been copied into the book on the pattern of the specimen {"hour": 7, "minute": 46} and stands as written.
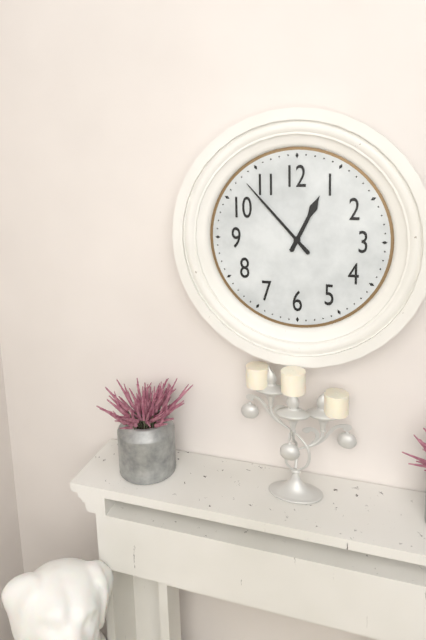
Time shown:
{"hour": 12, "minute": 53}
